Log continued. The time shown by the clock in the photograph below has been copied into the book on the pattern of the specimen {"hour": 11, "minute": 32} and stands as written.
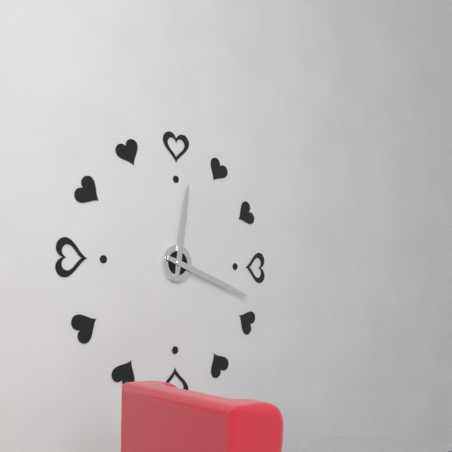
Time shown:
{"hour": 12, "minute": 18}
